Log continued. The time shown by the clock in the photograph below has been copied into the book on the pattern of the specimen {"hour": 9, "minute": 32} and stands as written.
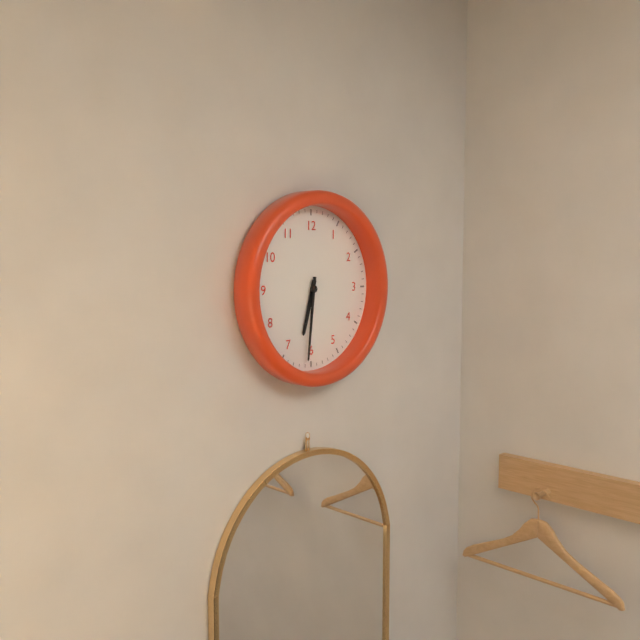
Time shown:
{"hour": 6, "minute": 31}
